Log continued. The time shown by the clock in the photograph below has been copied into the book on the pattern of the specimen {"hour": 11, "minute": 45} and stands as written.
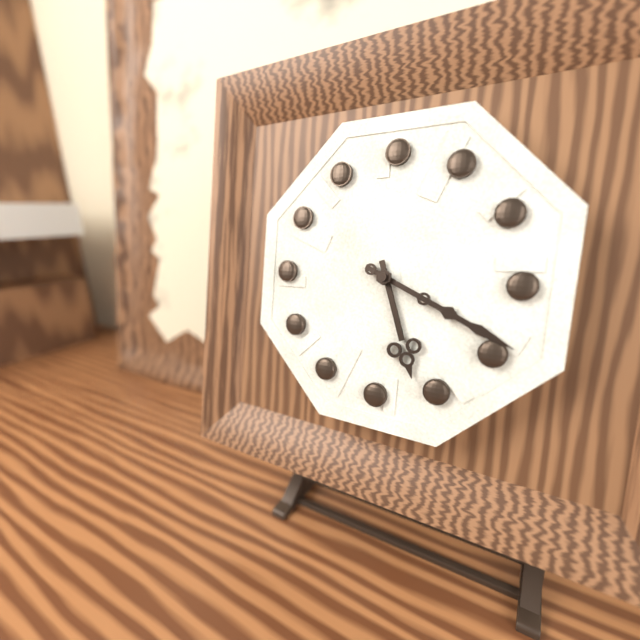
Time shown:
{"hour": 5, "minute": 19}
